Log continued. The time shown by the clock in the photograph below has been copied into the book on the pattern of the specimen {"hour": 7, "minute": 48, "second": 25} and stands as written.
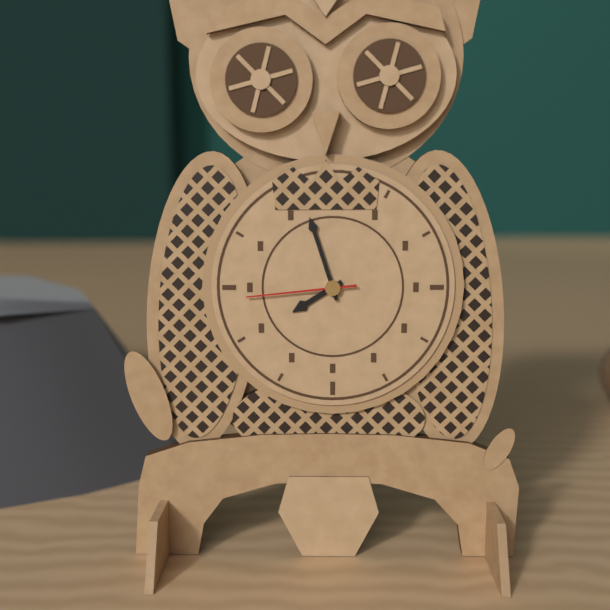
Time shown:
{"hour": 7, "minute": 57, "second": 44}
